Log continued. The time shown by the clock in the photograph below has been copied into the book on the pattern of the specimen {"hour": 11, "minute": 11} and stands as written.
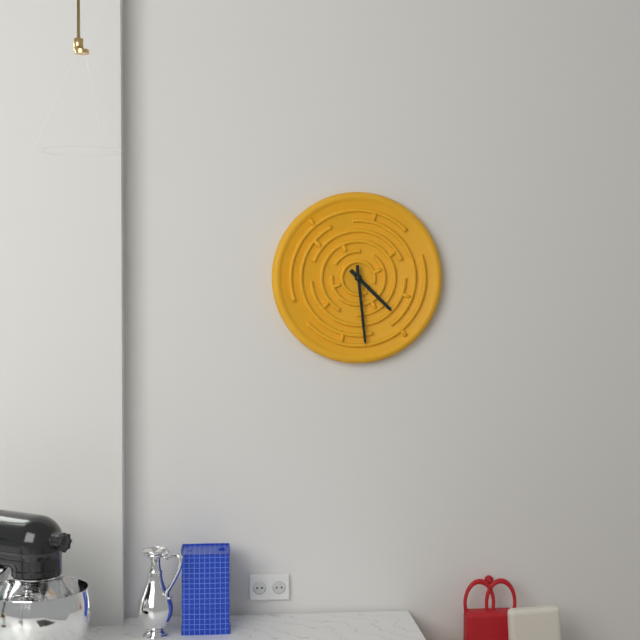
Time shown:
{"hour": 4, "minute": 29}
